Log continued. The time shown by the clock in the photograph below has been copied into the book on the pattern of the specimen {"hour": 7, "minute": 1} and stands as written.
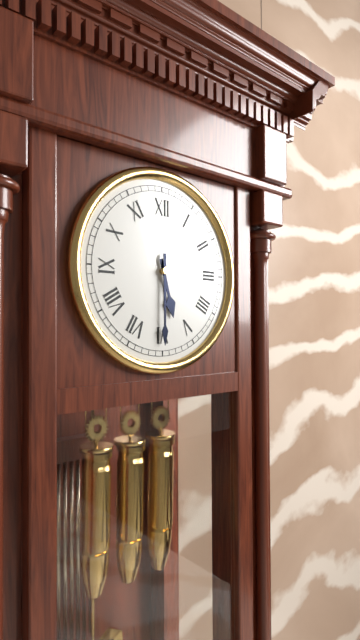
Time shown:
{"hour": 5, "minute": 30}
